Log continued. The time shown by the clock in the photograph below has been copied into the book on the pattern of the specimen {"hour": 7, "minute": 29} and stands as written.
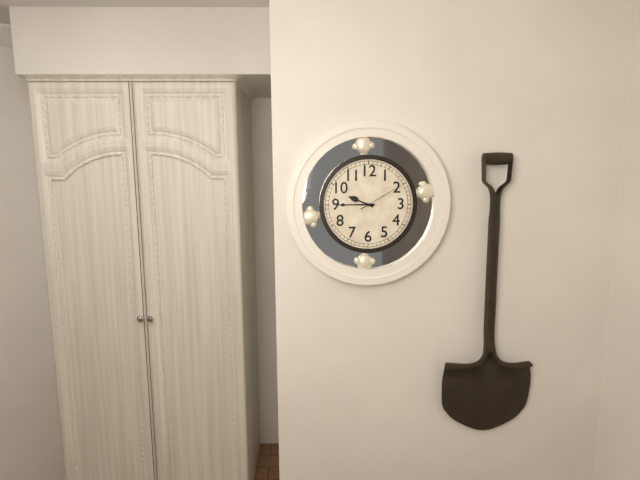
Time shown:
{"hour": 9, "minute": 45}
